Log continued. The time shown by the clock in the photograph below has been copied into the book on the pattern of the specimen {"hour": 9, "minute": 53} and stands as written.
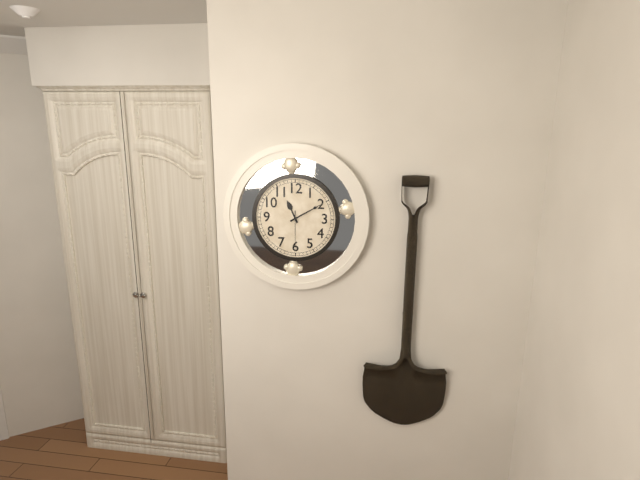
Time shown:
{"hour": 11, "minute": 10}
